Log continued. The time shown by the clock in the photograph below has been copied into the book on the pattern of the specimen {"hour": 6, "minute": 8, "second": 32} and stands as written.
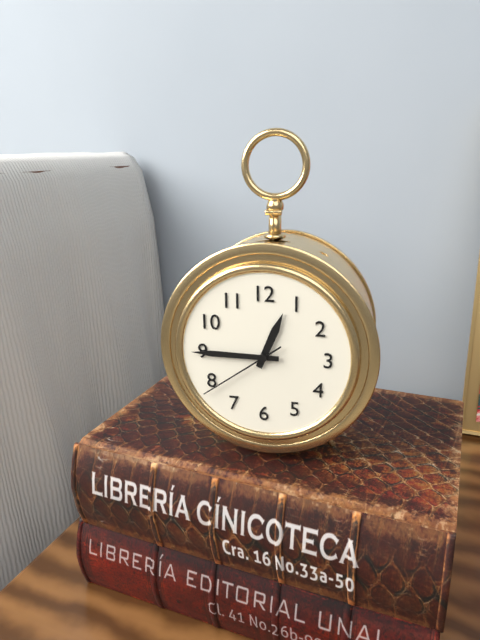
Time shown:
{"hour": 12, "minute": 45, "second": 39}
